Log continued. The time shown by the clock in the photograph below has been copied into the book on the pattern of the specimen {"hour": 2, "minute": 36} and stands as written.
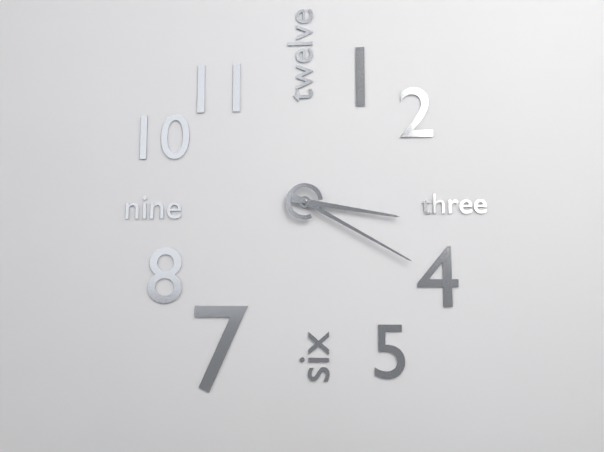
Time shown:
{"hour": 3, "minute": 20}
